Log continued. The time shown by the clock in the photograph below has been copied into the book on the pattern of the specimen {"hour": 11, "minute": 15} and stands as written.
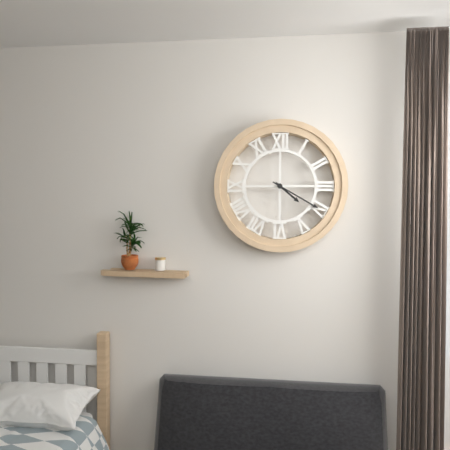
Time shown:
{"hour": 4, "minute": 20}
